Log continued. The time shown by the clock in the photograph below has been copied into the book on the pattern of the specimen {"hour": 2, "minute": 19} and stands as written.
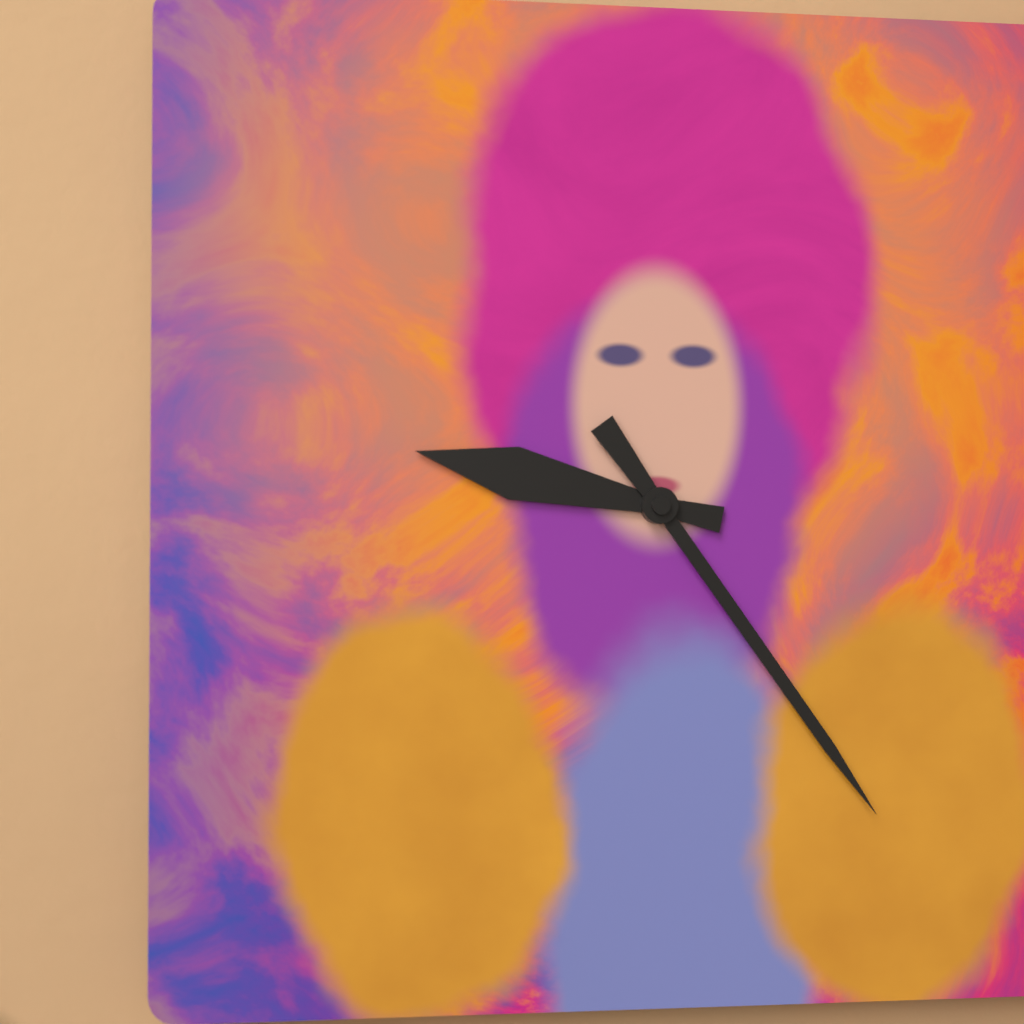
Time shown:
{"hour": 9, "minute": 24}
